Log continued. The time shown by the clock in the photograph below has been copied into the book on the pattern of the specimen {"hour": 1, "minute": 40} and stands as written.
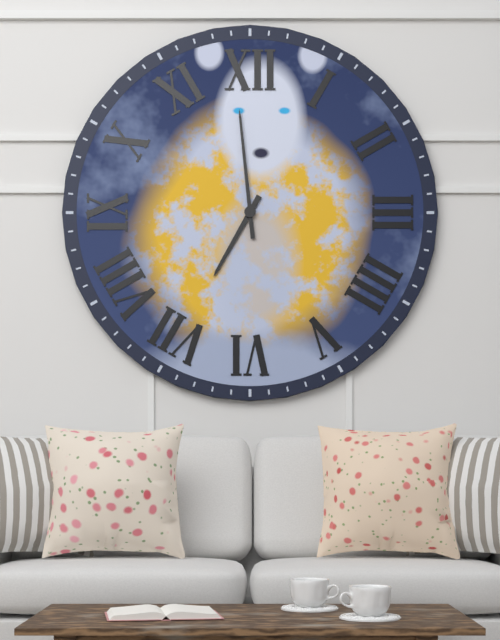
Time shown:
{"hour": 6, "minute": 59}
